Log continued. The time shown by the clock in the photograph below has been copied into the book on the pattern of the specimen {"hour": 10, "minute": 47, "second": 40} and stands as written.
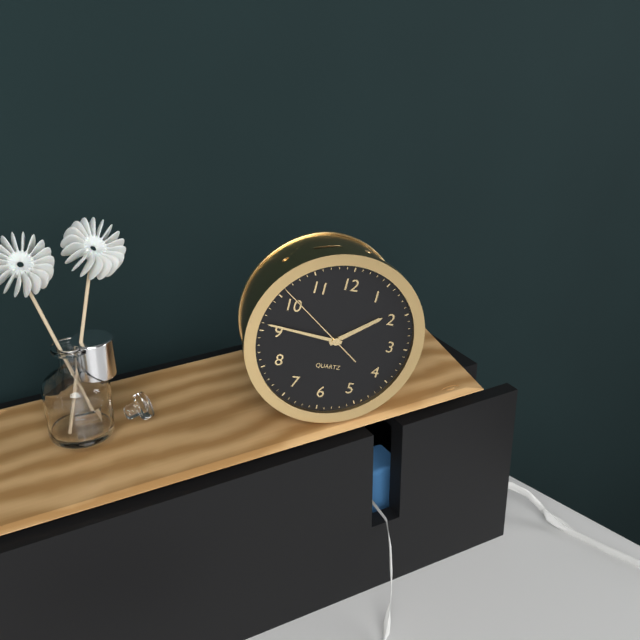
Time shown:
{"hour": 1, "minute": 46, "second": 51}
